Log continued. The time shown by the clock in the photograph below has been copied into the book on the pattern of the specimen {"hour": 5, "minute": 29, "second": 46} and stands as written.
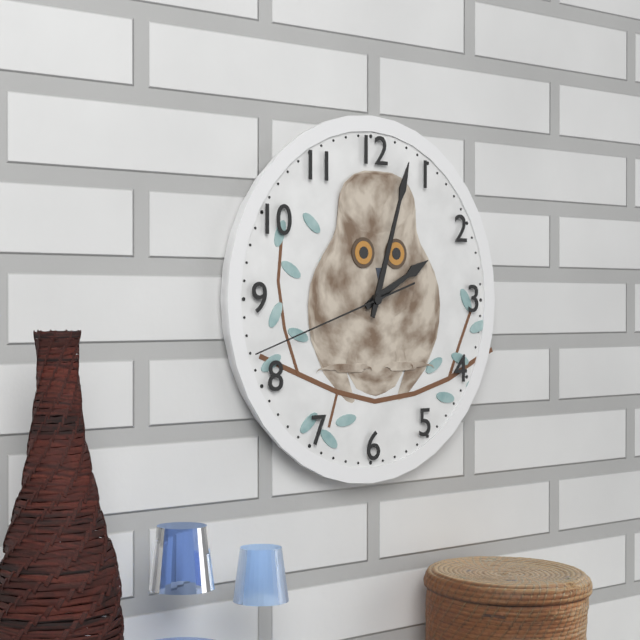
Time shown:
{"hour": 2, "minute": 3, "second": 42}
